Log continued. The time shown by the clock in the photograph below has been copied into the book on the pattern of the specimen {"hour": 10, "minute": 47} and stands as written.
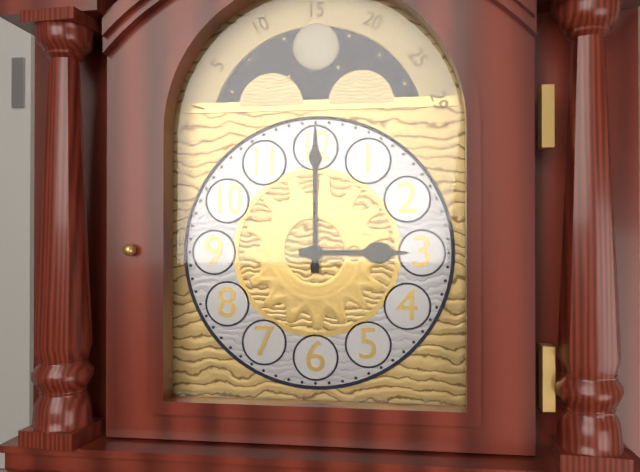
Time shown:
{"hour": 3, "minute": 0}
